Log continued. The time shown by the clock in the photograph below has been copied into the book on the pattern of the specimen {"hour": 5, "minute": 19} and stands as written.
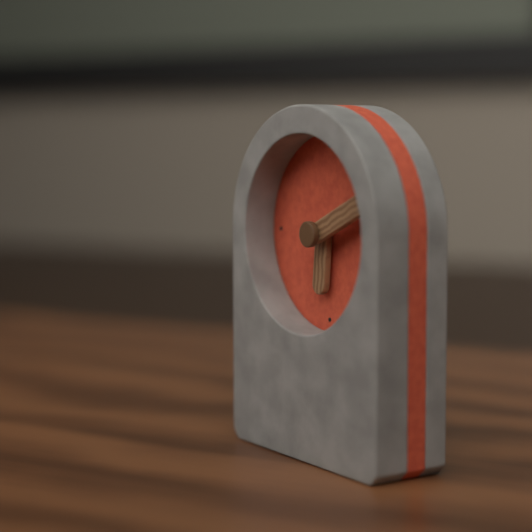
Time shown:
{"hour": 6, "minute": 11}
